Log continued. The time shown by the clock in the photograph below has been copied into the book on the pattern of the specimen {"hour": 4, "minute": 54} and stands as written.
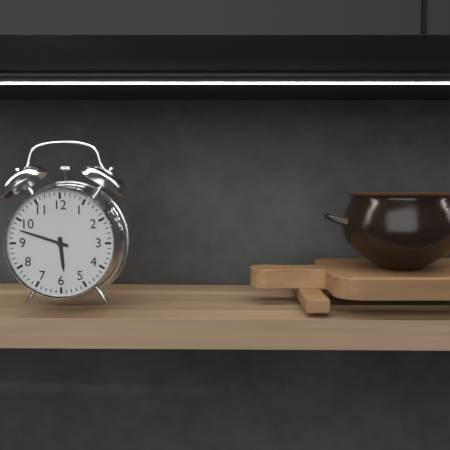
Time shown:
{"hour": 5, "minute": 48}
